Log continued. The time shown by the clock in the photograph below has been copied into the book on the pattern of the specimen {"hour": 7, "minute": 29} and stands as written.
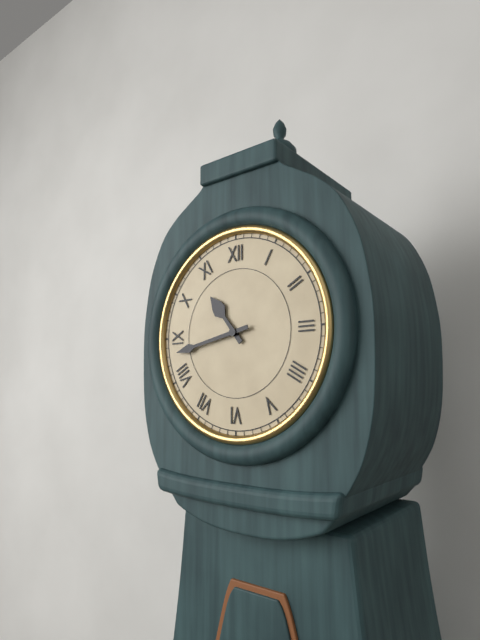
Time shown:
{"hour": 10, "minute": 43}
